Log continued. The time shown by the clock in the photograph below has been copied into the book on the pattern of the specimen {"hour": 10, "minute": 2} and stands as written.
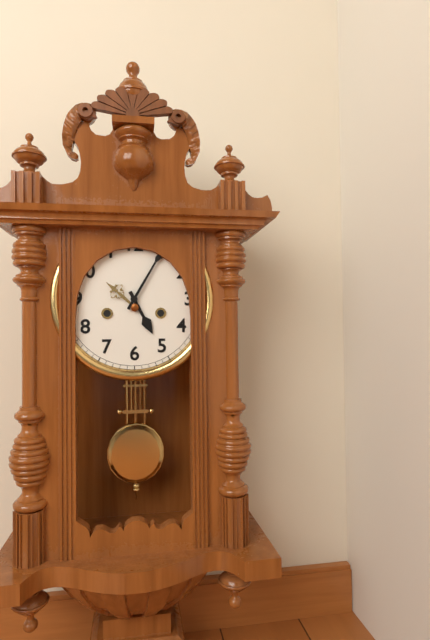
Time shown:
{"hour": 5, "minute": 5}
